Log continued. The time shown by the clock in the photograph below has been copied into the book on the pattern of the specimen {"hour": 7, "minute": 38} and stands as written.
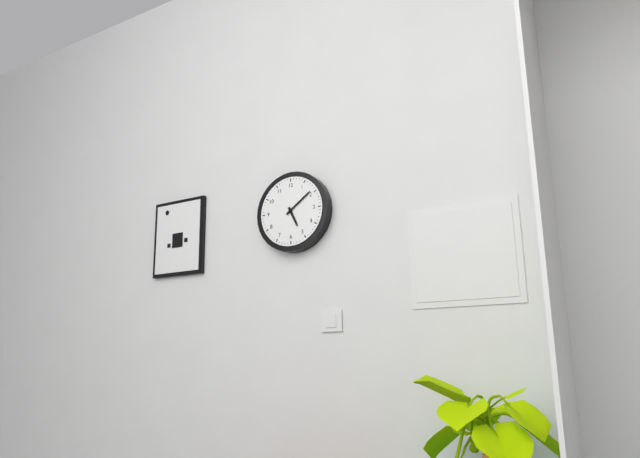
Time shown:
{"hour": 5, "minute": 9}
